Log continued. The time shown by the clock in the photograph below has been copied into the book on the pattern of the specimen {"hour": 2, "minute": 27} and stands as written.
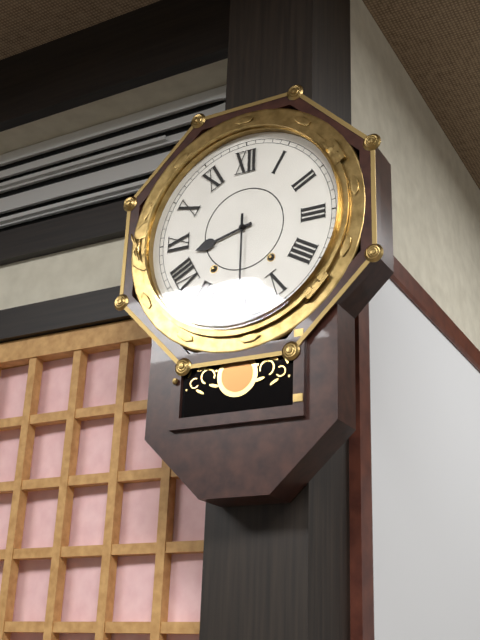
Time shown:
{"hour": 8, "minute": 30}
